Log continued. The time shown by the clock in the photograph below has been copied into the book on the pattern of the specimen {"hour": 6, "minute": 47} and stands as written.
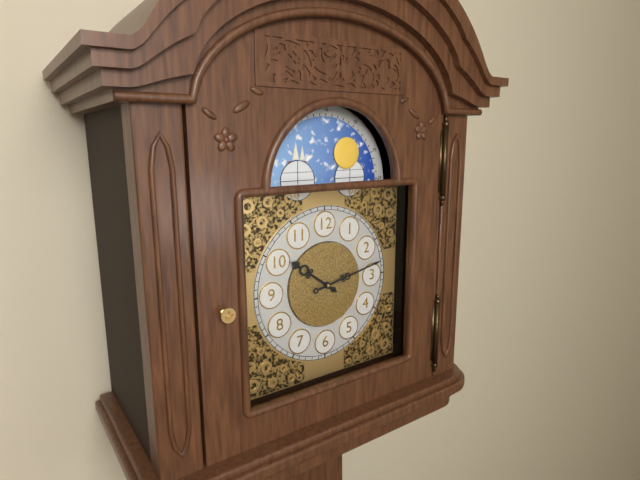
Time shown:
{"hour": 10, "minute": 13}
